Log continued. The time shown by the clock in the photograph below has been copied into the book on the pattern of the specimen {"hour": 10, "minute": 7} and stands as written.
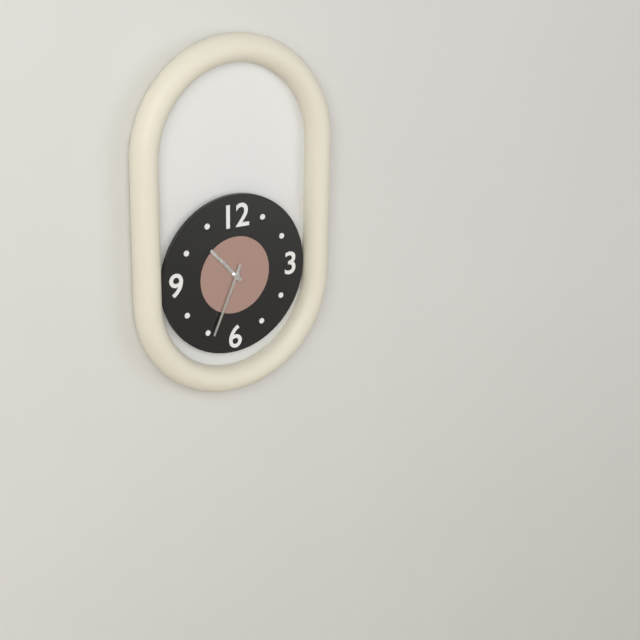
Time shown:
{"hour": 10, "minute": 34}
